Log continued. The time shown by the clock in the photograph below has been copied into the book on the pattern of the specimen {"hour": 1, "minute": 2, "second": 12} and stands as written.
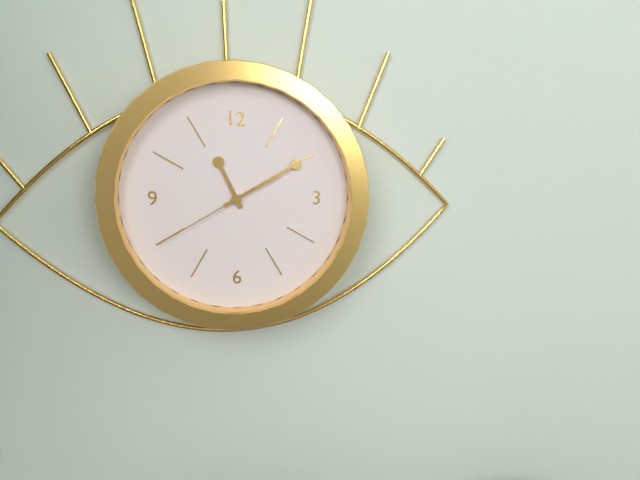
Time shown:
{"hour": 11, "minute": 10, "second": 40}
